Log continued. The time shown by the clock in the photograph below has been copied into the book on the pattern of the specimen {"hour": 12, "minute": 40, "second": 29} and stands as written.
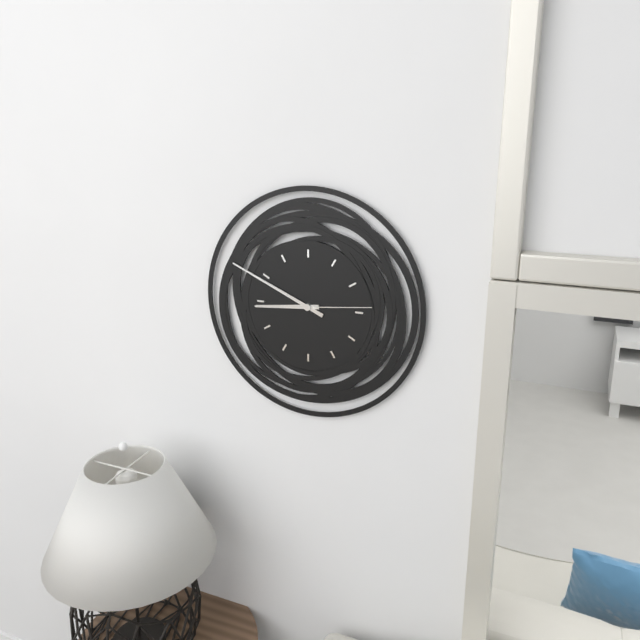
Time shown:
{"hour": 8, "minute": 49, "second": 14}
